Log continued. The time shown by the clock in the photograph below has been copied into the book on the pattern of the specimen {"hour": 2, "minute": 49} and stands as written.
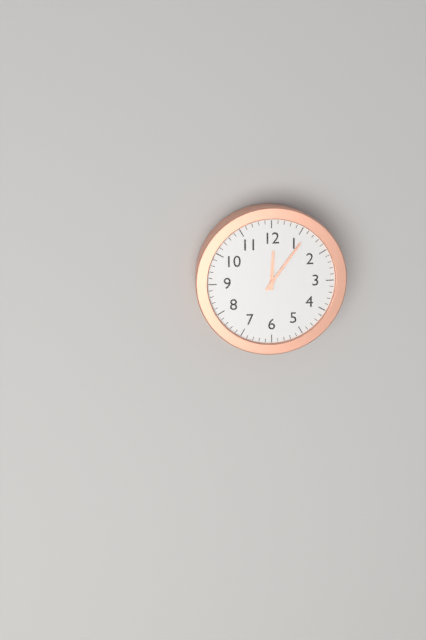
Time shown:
{"hour": 12, "minute": 6}
